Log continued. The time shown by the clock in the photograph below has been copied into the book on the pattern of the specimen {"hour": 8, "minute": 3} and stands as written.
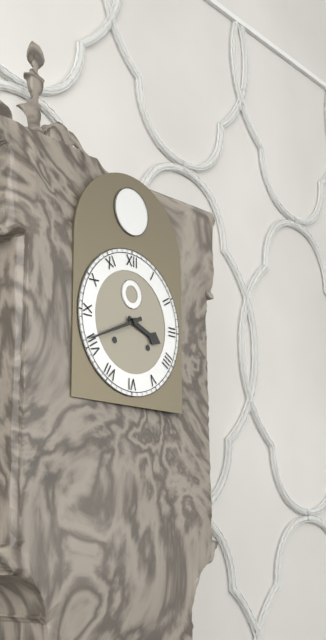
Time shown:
{"hour": 3, "minute": 41}
